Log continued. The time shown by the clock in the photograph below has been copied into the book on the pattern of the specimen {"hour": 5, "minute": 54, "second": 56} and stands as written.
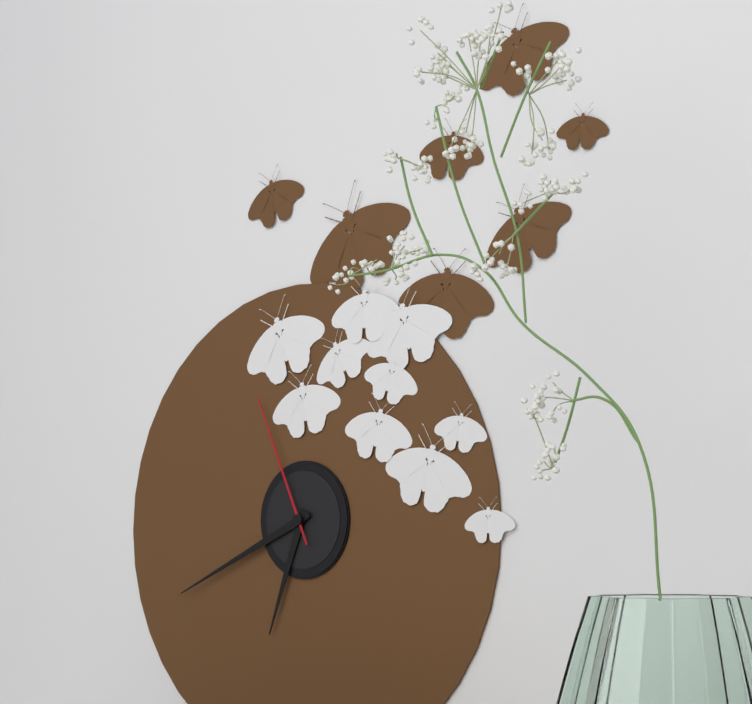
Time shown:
{"hour": 6, "minute": 41, "second": 56}
